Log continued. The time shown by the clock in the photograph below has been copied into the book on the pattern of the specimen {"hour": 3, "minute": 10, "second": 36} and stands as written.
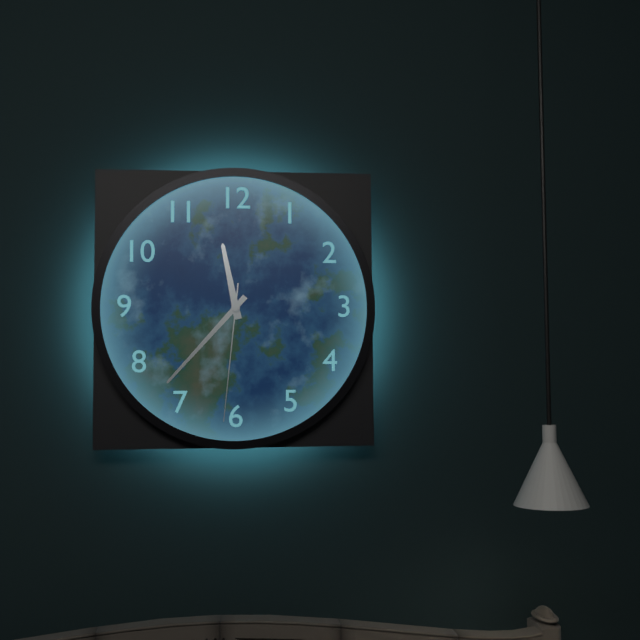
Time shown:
{"hour": 11, "minute": 37, "second": 31}
